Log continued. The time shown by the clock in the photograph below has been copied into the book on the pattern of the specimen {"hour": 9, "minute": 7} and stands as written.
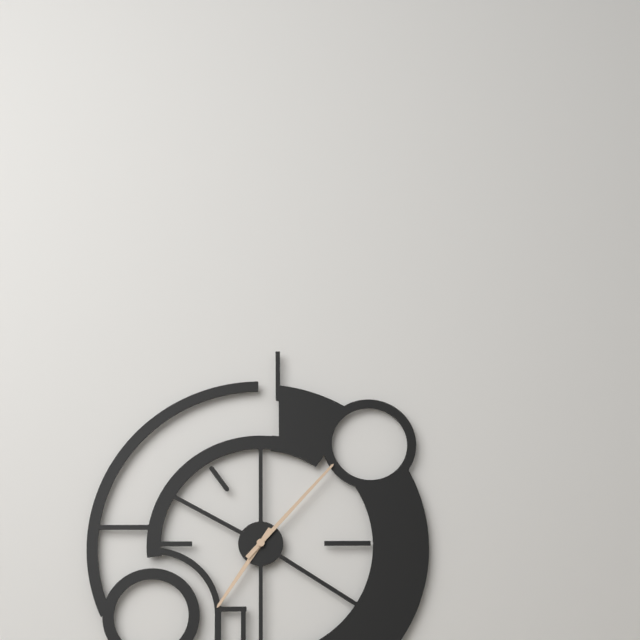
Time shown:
{"hour": 7, "minute": 7}
